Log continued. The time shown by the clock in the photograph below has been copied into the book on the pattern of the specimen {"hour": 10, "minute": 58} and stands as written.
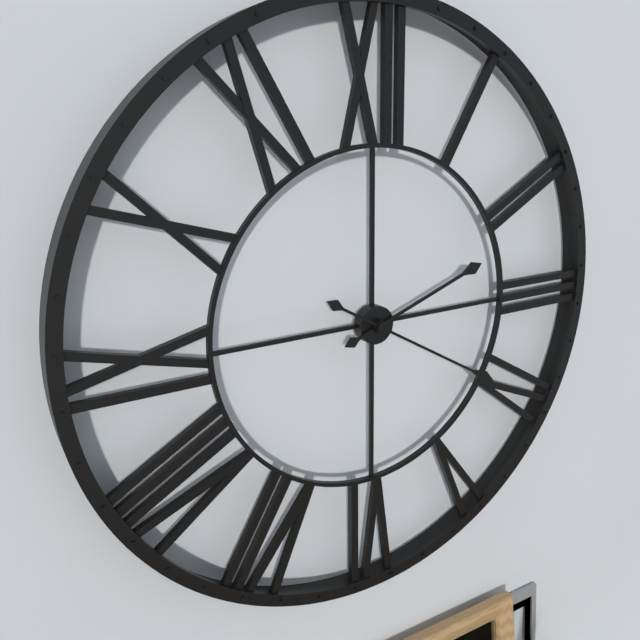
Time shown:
{"hour": 2, "minute": 20}
